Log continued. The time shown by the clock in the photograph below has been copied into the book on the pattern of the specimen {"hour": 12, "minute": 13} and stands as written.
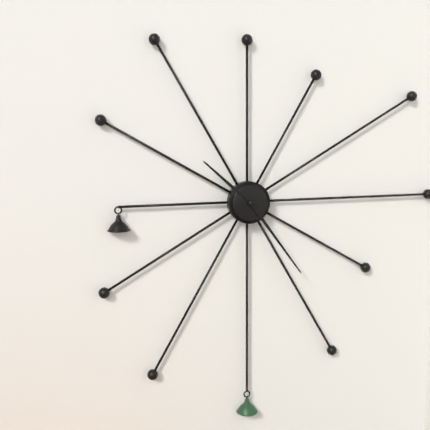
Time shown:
{"hour": 10, "minute": 24}
